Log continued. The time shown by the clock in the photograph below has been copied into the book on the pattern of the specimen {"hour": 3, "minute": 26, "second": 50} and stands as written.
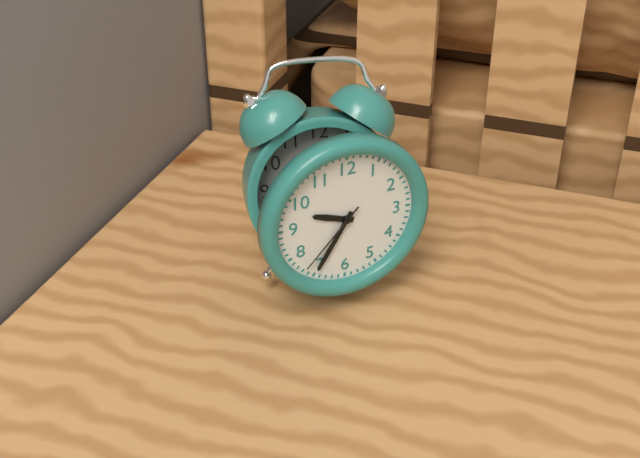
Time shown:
{"hour": 9, "minute": 35, "second": 37}
